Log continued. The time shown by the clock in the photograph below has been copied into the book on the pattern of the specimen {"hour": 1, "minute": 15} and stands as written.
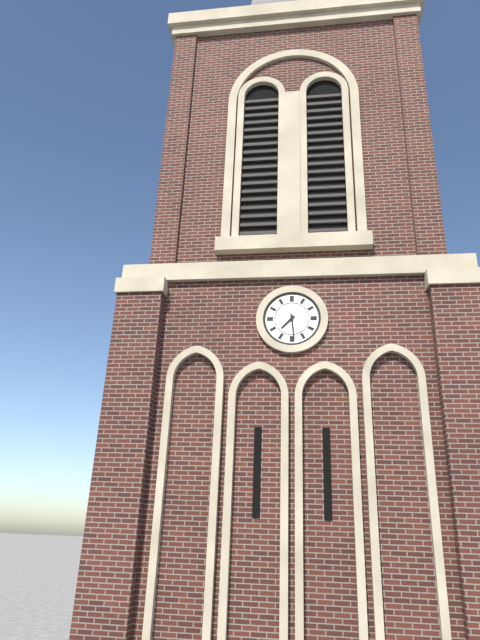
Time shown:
{"hour": 7, "minute": 29}
